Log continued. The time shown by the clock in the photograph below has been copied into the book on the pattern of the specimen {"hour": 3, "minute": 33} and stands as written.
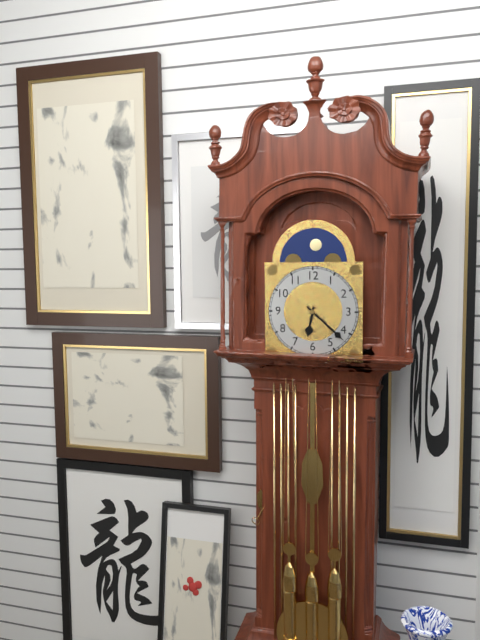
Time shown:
{"hour": 6, "minute": 22}
